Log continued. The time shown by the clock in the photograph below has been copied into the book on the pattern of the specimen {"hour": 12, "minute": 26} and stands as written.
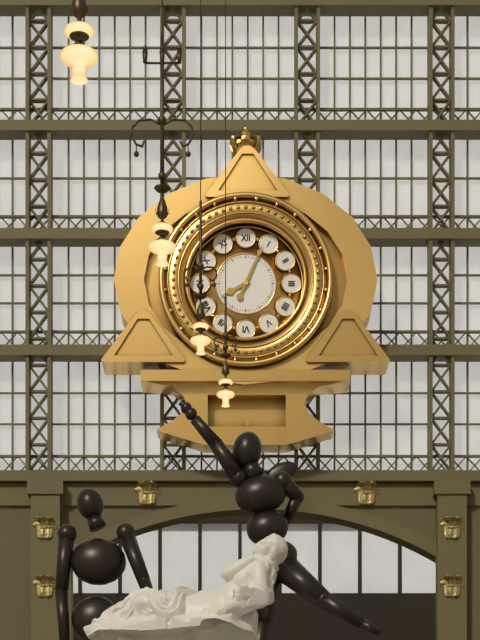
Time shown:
{"hour": 8, "minute": 4}
